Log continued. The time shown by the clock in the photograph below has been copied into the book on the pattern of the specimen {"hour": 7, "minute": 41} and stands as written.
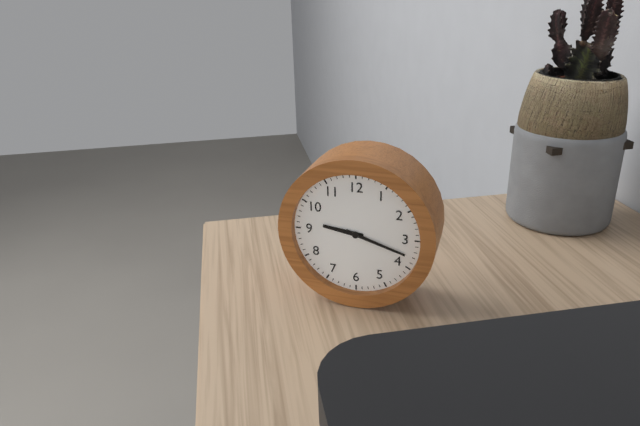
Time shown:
{"hour": 9, "minute": 18}
